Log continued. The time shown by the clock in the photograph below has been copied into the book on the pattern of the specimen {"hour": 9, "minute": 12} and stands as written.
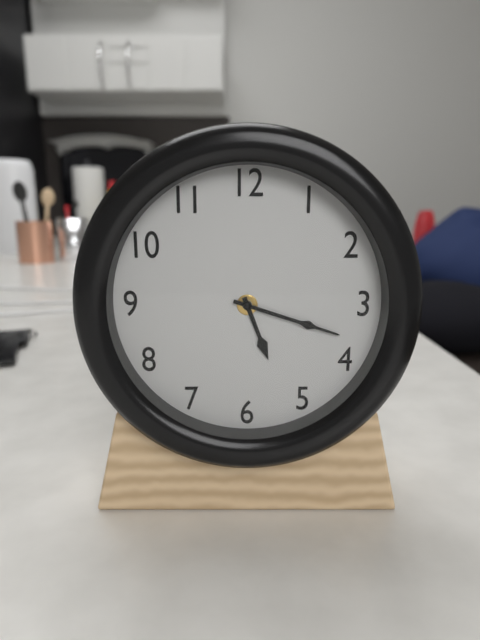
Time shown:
{"hour": 5, "minute": 18}
